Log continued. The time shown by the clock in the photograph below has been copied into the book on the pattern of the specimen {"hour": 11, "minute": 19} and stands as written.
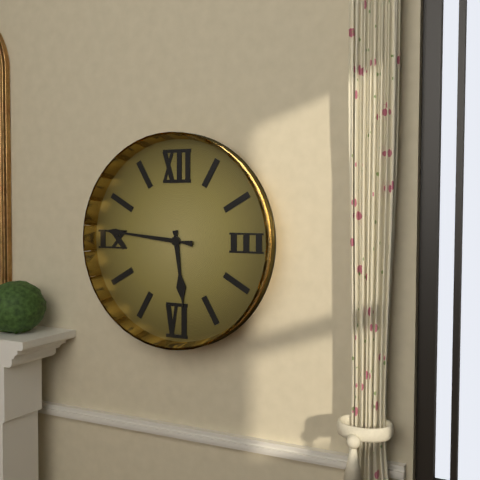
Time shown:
{"hour": 5, "minute": 46}
